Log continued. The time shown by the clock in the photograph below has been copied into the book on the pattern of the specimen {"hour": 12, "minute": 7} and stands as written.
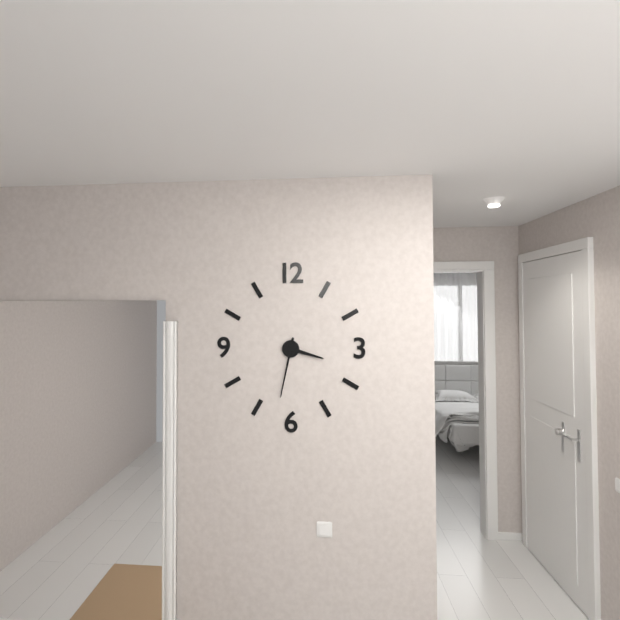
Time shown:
{"hour": 3, "minute": 32}
